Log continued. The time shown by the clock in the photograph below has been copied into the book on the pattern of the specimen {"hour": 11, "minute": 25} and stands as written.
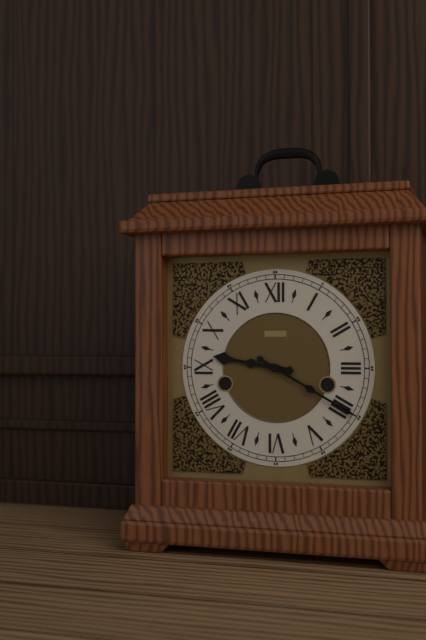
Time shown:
{"hour": 9, "minute": 20}
